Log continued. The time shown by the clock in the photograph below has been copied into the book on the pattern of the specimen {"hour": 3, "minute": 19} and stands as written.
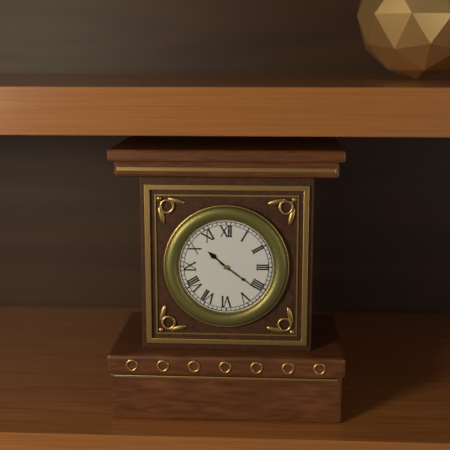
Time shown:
{"hour": 10, "minute": 21}
